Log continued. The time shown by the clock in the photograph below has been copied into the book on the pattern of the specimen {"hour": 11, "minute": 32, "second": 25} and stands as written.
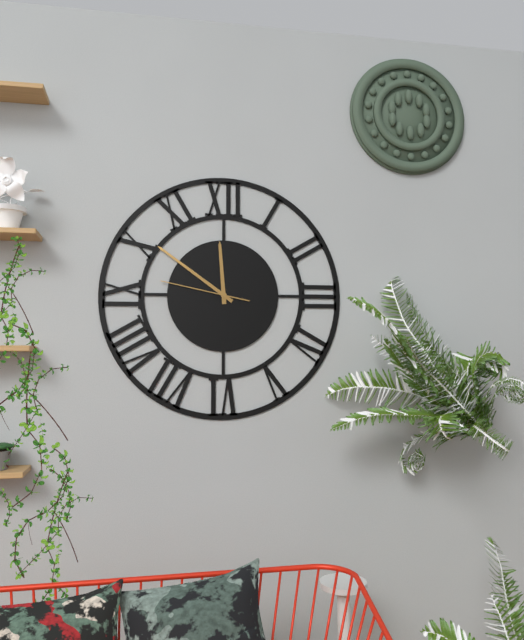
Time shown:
{"hour": 11, "minute": 51, "second": 47}
